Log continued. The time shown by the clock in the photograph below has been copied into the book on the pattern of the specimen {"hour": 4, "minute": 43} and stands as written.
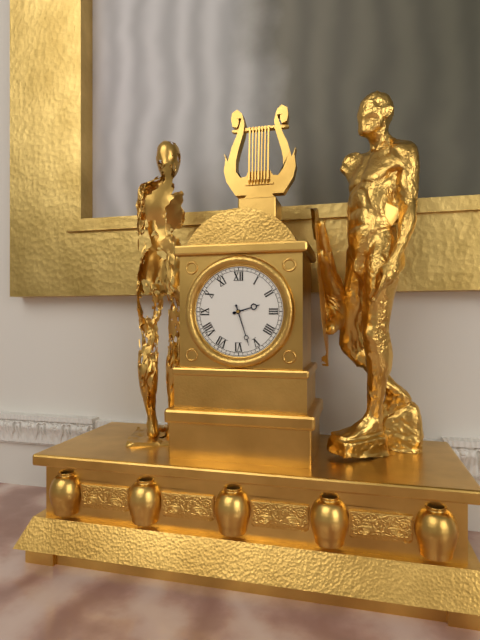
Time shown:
{"hour": 2, "minute": 27}
